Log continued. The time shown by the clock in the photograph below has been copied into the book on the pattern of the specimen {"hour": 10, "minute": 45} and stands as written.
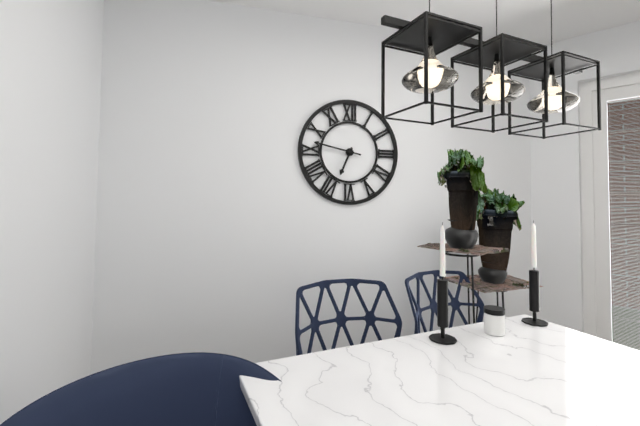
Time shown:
{"hour": 6, "minute": 47}
